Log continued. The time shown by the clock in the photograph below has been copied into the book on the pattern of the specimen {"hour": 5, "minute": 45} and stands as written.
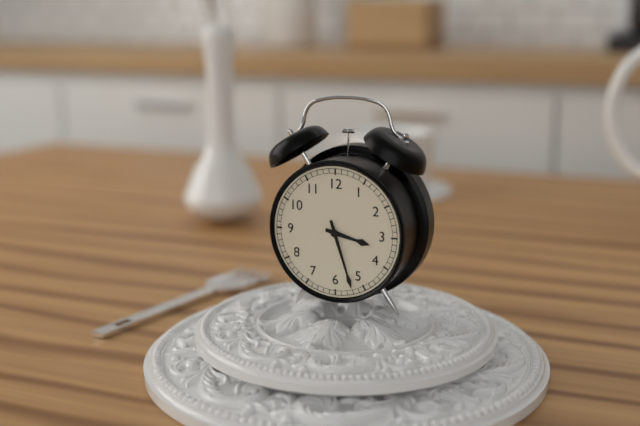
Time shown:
{"hour": 3, "minute": 27}
